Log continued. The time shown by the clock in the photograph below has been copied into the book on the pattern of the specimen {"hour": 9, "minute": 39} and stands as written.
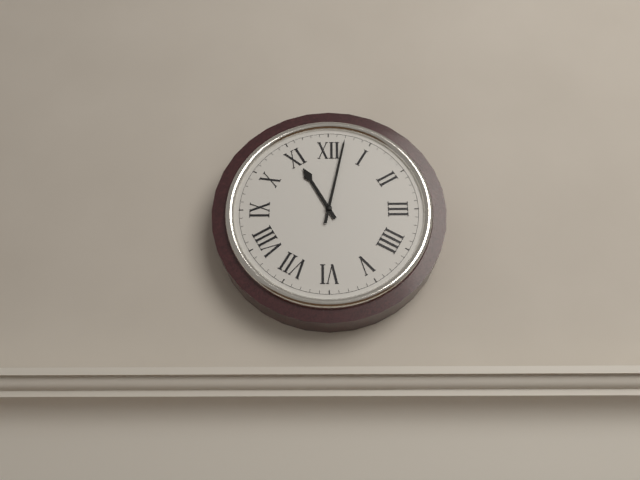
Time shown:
{"hour": 11, "minute": 2}
